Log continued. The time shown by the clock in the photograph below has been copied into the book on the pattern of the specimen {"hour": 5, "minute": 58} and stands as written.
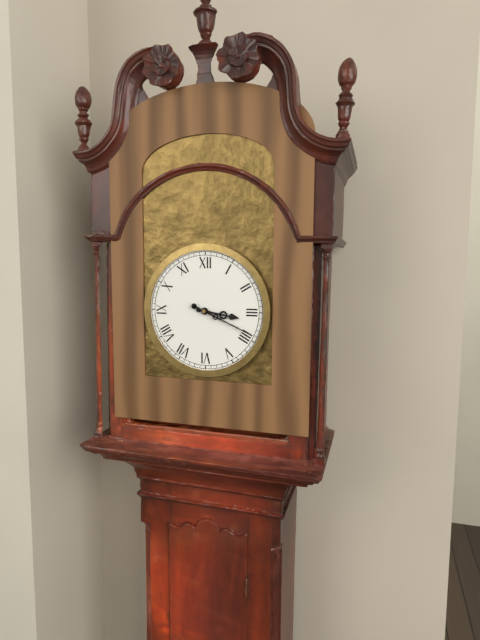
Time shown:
{"hour": 3, "minute": 19}
